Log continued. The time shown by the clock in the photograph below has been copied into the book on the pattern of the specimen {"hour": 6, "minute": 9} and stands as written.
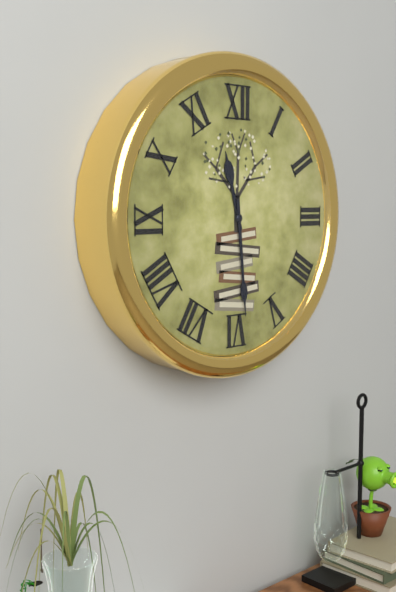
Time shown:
{"hour": 11, "minute": 29}
